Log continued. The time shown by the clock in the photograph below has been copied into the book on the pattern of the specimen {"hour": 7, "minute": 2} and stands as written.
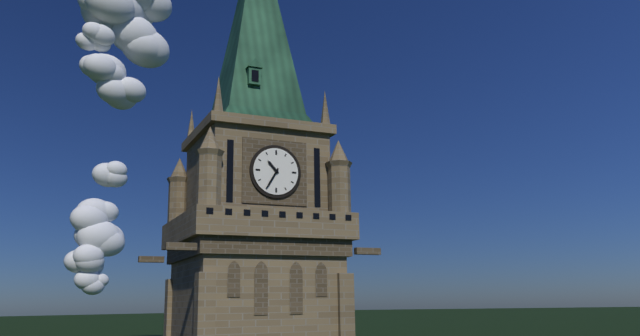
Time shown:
{"hour": 10, "minute": 35}
